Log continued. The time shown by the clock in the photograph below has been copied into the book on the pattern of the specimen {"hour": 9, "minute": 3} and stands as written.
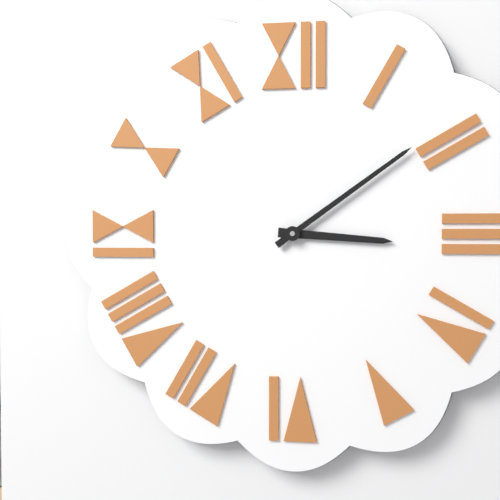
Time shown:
{"hour": 3, "minute": 9}
